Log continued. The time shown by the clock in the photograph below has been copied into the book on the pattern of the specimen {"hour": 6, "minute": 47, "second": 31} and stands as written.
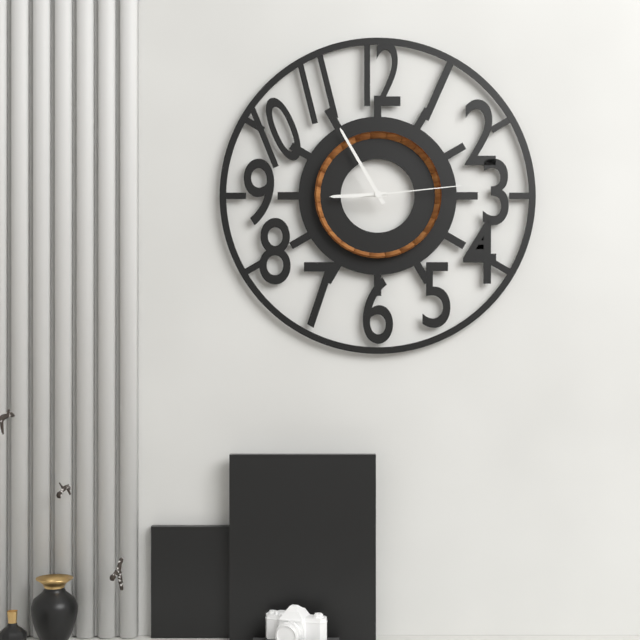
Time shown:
{"hour": 8, "minute": 55, "second": 14}
